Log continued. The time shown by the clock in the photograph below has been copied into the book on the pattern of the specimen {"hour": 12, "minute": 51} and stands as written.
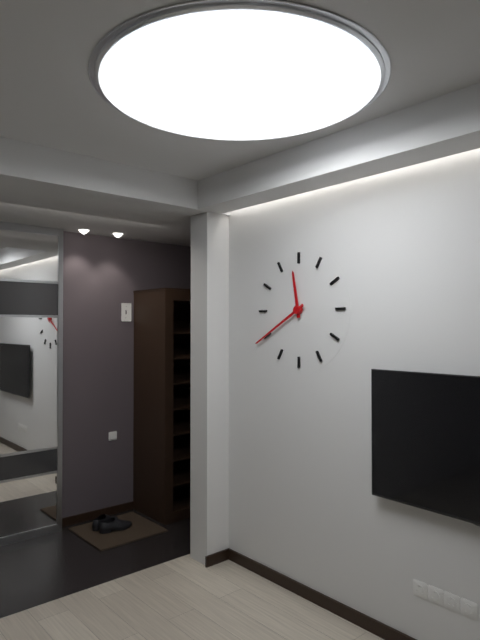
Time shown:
{"hour": 11, "minute": 40}
